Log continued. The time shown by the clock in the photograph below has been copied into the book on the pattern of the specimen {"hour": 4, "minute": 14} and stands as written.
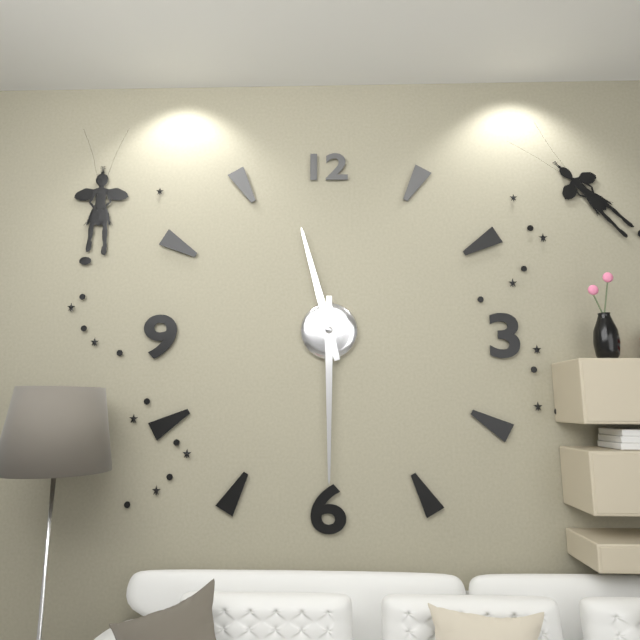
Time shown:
{"hour": 11, "minute": 30}
